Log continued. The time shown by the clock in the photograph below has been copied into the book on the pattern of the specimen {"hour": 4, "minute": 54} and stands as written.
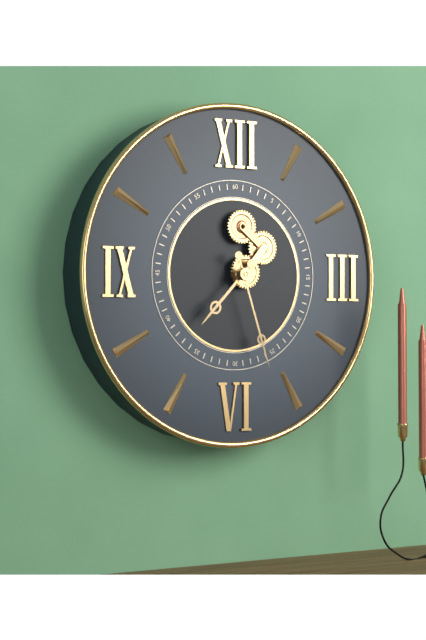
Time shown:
{"hour": 7, "minute": 27}
